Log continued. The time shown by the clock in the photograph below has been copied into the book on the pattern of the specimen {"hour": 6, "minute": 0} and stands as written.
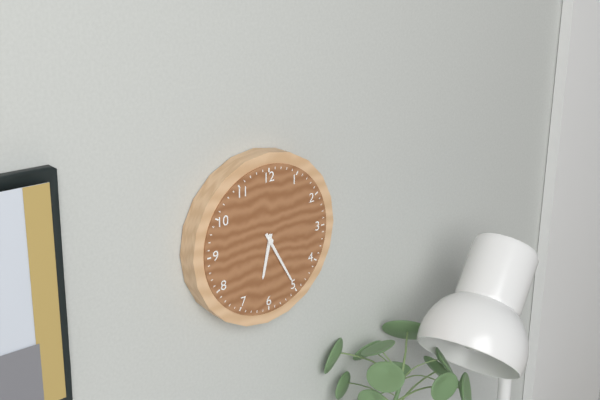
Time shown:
{"hour": 6, "minute": 25}
